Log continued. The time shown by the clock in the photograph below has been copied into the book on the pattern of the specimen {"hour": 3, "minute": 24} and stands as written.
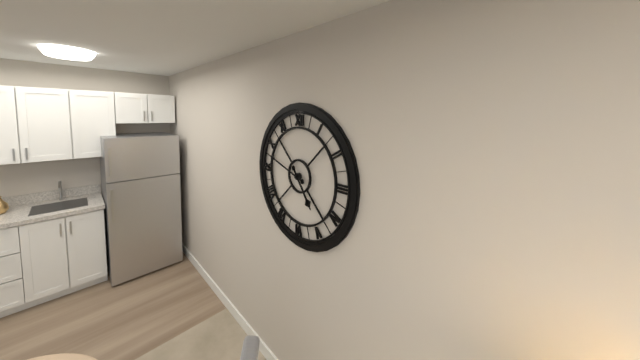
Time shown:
{"hour": 4, "minute": 48}
